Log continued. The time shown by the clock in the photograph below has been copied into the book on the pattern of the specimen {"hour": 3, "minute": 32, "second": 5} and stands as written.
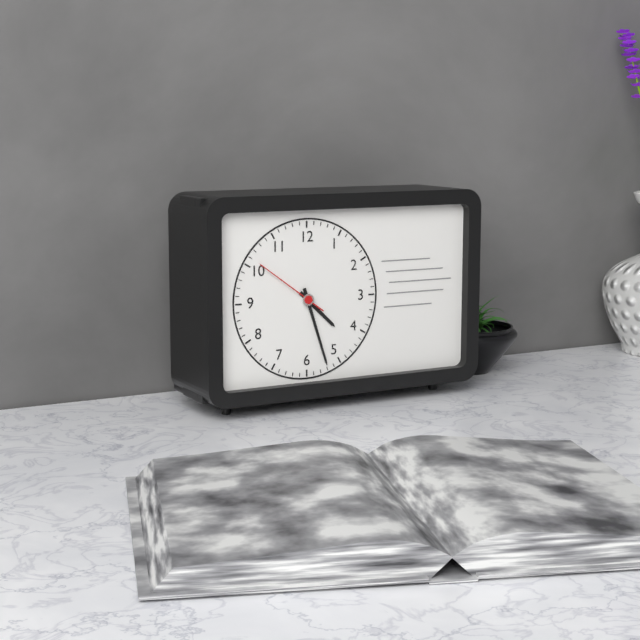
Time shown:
{"hour": 4, "minute": 27, "second": 51}
